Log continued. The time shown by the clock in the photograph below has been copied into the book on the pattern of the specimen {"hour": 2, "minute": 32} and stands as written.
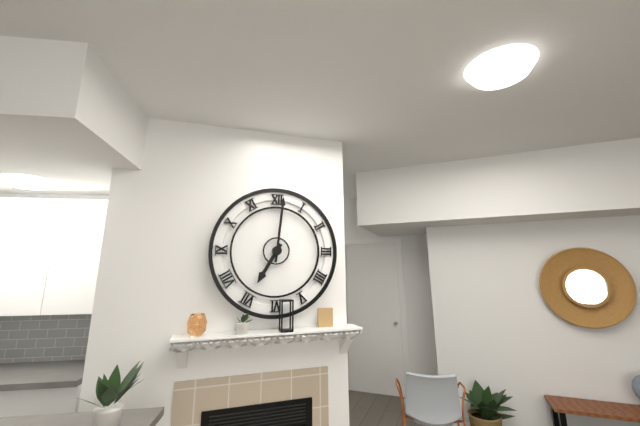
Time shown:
{"hour": 7, "minute": 1}
